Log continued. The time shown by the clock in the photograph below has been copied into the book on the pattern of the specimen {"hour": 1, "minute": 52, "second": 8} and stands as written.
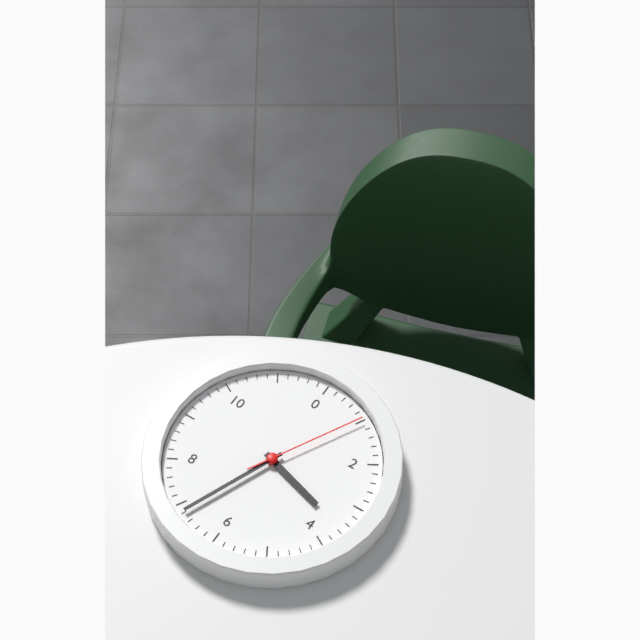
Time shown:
{"hour": 3, "minute": 34, "second": 5}
